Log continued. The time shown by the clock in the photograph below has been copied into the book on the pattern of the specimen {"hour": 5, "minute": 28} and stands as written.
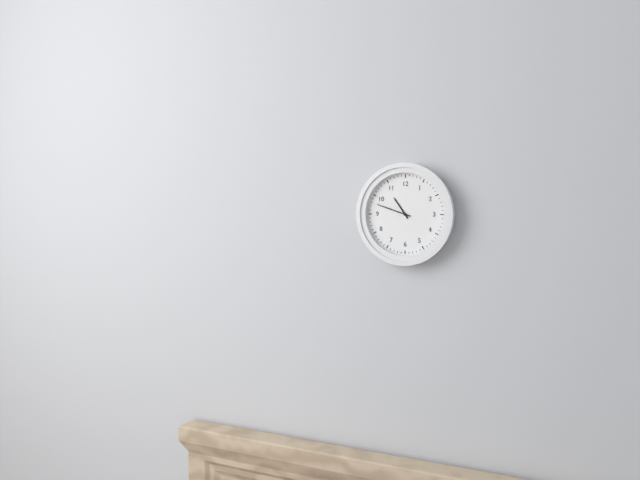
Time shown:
{"hour": 10, "minute": 48}
